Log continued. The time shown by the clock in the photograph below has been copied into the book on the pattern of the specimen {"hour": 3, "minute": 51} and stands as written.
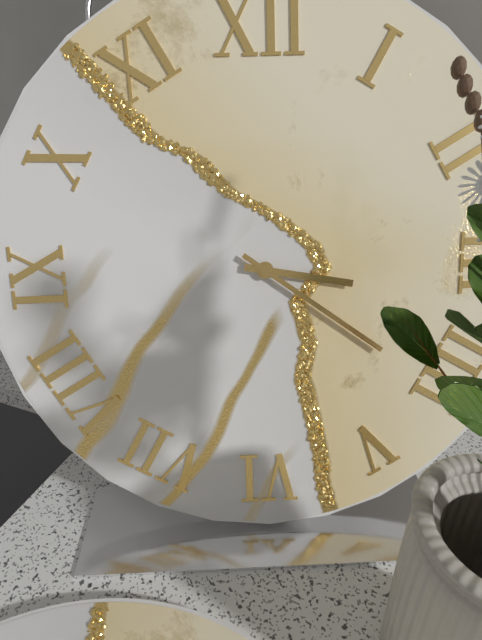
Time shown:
{"hour": 3, "minute": 21}
